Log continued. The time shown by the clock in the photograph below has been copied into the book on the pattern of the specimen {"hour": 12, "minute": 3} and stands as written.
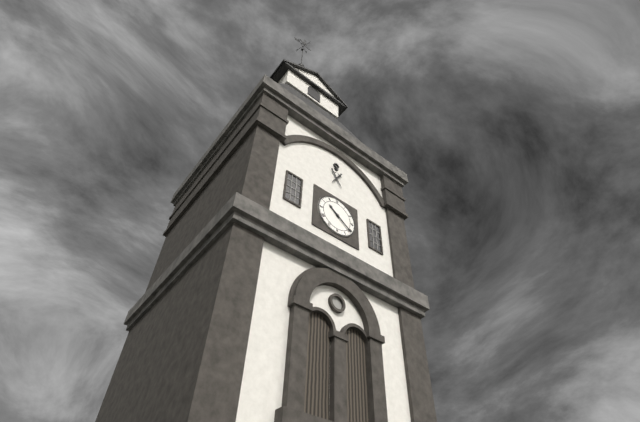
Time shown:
{"hour": 10, "minute": 21}
